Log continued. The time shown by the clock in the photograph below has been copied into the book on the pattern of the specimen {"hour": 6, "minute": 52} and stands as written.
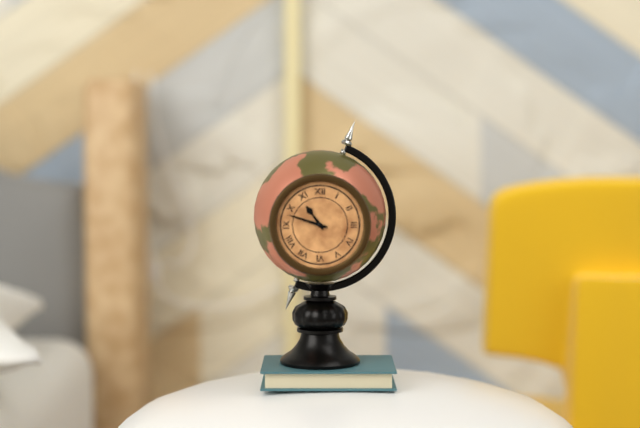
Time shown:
{"hour": 10, "minute": 48}
